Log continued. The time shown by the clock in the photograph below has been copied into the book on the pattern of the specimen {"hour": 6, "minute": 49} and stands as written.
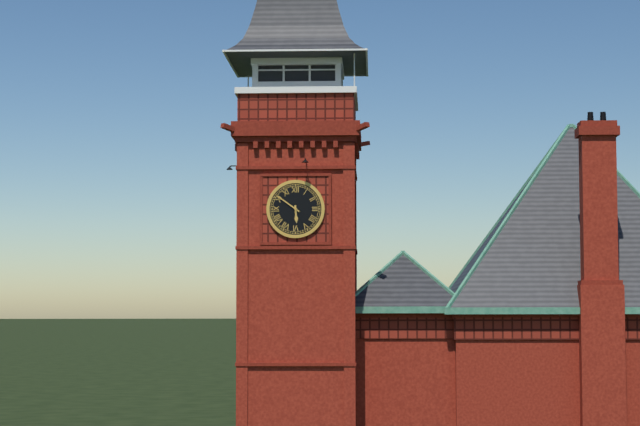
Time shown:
{"hour": 5, "minute": 51}
